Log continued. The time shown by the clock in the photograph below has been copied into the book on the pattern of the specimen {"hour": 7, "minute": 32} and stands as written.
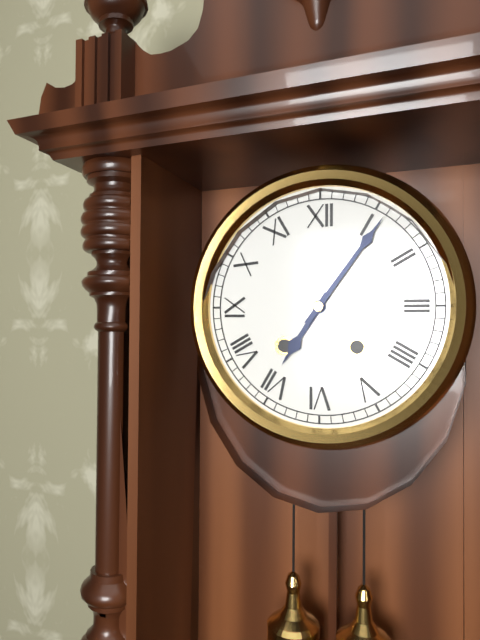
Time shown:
{"hour": 7, "minute": 6}
